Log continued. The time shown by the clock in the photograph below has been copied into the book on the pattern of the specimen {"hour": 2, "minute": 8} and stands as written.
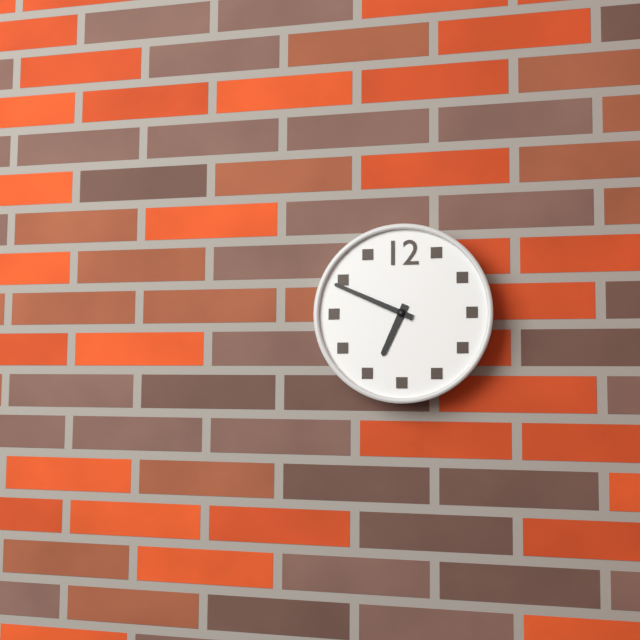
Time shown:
{"hour": 6, "minute": 49}
